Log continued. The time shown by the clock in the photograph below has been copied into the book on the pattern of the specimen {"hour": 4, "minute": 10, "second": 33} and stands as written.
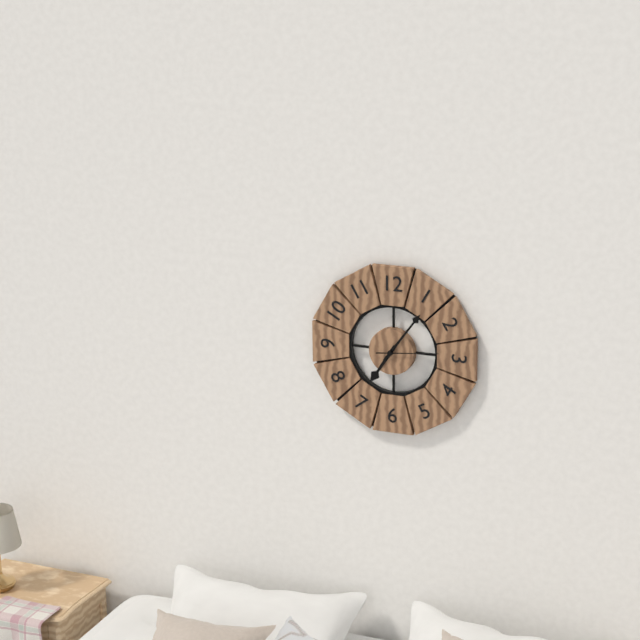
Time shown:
{"hour": 7, "minute": 6, "second": 14}
